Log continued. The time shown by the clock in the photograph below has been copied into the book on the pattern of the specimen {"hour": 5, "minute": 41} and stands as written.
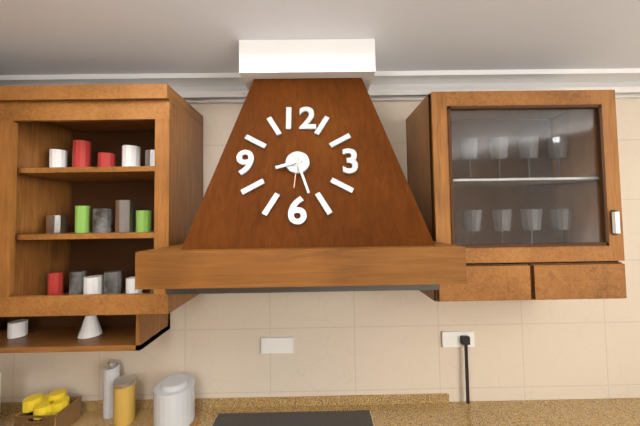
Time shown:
{"hour": 8, "minute": 27}
